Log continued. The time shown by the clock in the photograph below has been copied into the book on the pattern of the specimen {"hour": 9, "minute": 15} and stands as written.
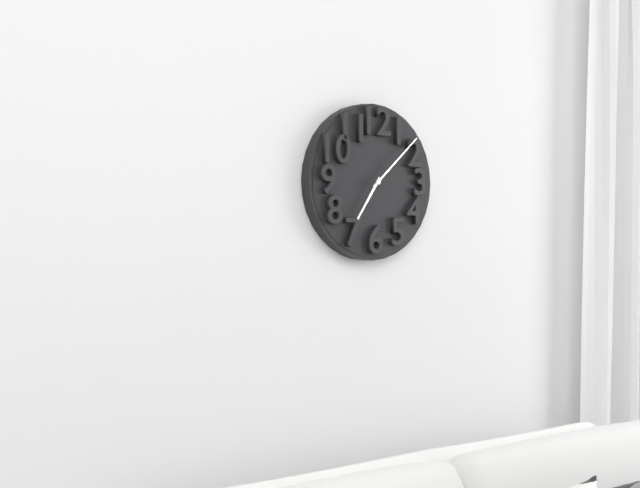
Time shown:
{"hour": 7, "minute": 8}
